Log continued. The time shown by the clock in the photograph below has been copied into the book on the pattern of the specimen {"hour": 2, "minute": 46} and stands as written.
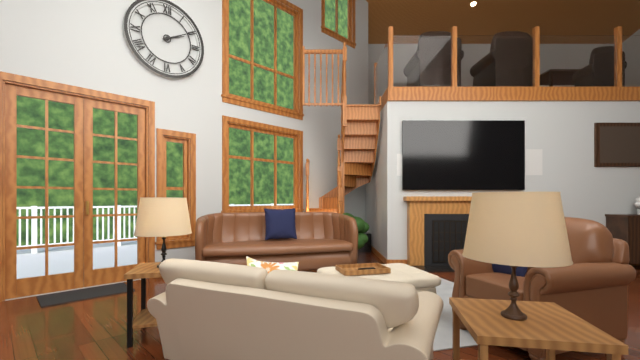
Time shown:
{"hour": 2, "minute": 10}
